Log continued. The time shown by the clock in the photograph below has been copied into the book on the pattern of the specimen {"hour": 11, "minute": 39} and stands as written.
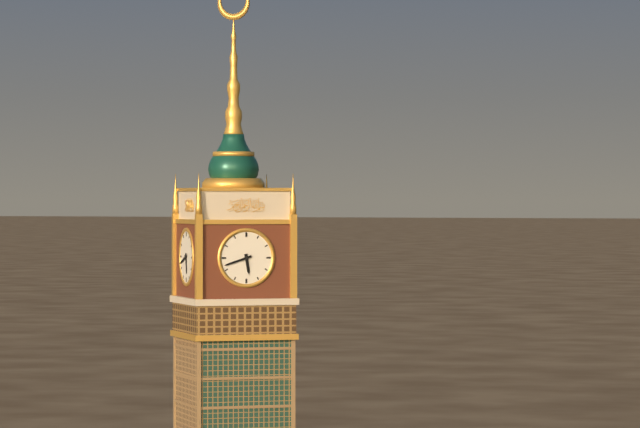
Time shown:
{"hour": 5, "minute": 42}
